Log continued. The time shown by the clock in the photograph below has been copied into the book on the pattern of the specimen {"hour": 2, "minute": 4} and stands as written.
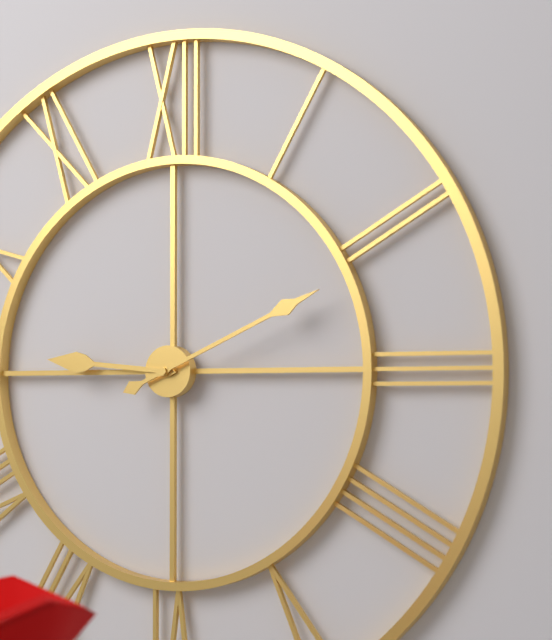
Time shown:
{"hour": 9, "minute": 11}
